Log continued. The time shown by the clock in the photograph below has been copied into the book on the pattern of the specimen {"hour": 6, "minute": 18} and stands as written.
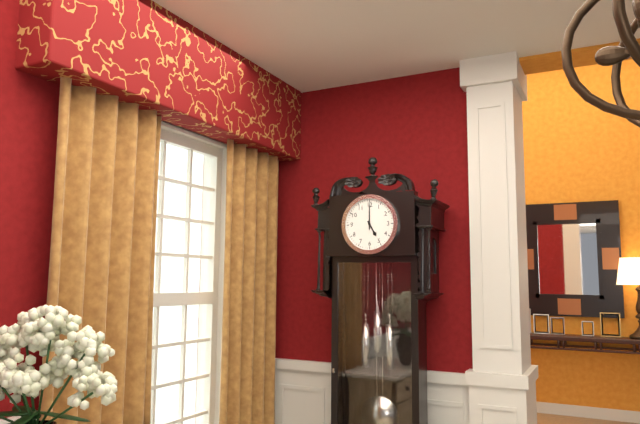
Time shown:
{"hour": 5, "minute": 0}
